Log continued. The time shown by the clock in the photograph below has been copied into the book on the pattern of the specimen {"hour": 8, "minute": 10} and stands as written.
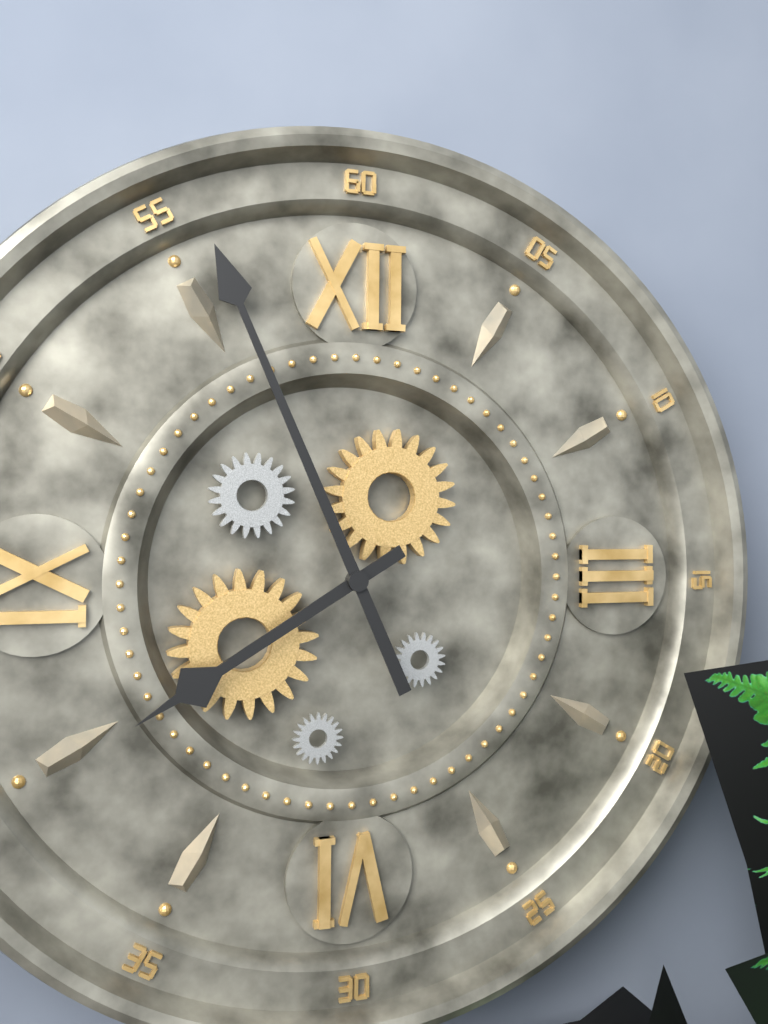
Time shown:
{"hour": 7, "minute": 56}
